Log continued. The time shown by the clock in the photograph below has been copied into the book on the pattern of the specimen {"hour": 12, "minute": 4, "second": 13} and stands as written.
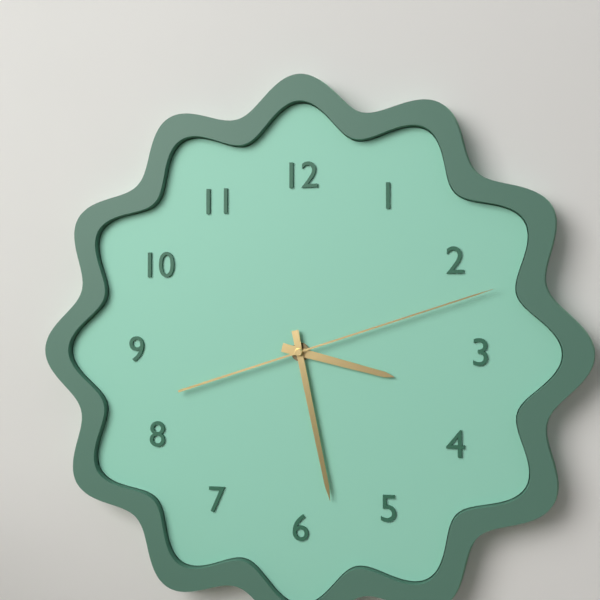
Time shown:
{"hour": 3, "minute": 28, "second": 12}
